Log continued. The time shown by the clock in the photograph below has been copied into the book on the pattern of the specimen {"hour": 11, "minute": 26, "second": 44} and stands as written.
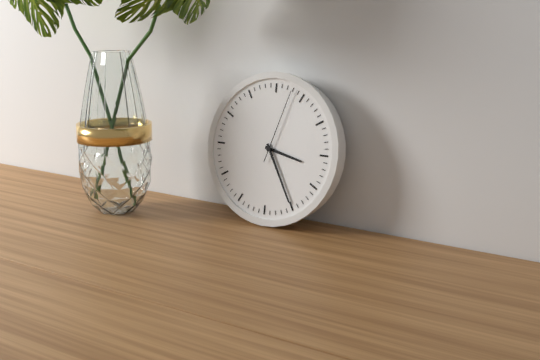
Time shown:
{"hour": 3, "minute": 25, "second": 3}
